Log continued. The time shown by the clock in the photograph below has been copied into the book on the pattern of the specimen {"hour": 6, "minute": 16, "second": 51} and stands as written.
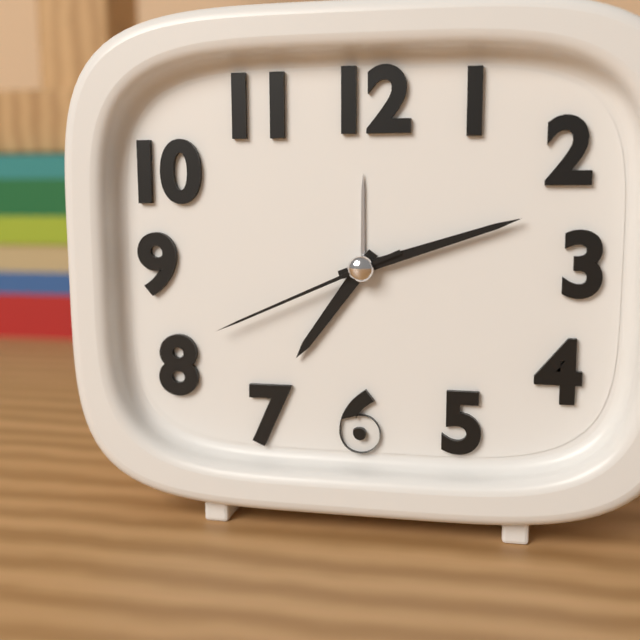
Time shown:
{"hour": 7, "minute": 12, "second": 41}
